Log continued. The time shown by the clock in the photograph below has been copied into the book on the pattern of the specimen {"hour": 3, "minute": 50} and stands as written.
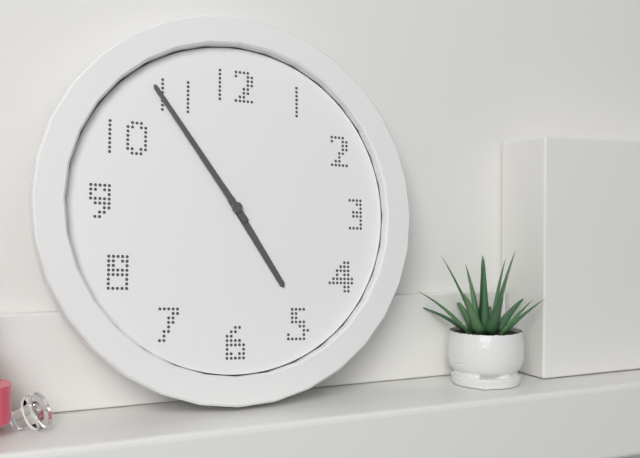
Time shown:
{"hour": 4, "minute": 54}
